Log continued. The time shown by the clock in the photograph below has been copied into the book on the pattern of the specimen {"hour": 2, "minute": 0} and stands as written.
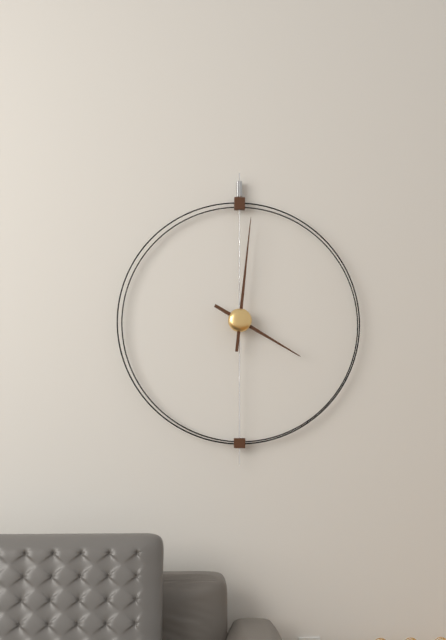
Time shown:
{"hour": 4, "minute": 1}
